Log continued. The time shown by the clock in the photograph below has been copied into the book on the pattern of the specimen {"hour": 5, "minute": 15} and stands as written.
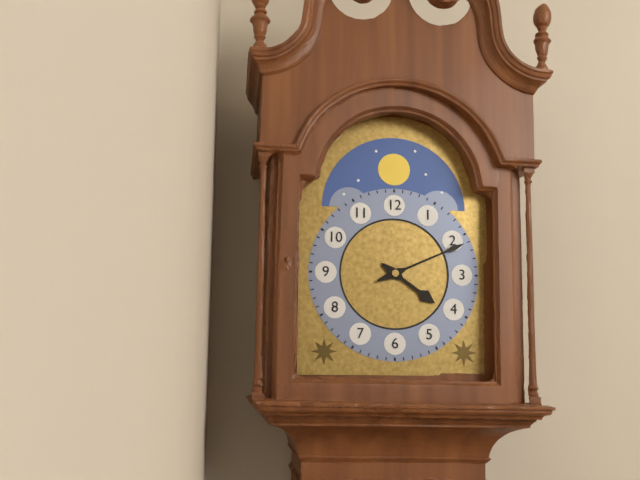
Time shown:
{"hour": 4, "minute": 11}
